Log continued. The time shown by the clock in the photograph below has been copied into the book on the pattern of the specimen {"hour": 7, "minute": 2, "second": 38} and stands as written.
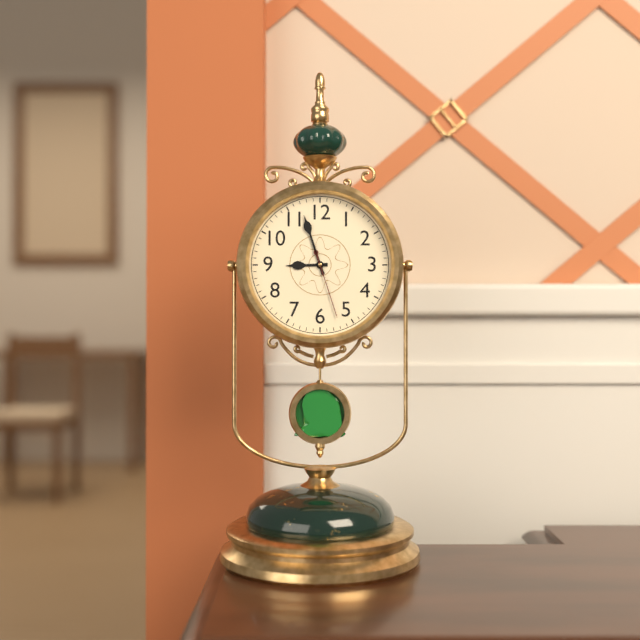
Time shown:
{"hour": 8, "minute": 57, "second": 27}
